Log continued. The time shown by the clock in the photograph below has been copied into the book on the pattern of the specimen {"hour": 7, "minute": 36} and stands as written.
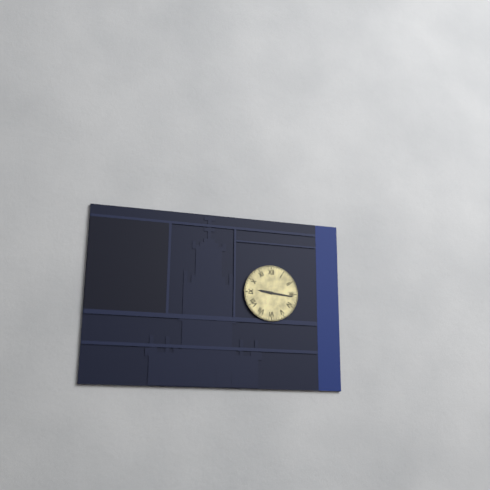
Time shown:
{"hour": 9, "minute": 16}
